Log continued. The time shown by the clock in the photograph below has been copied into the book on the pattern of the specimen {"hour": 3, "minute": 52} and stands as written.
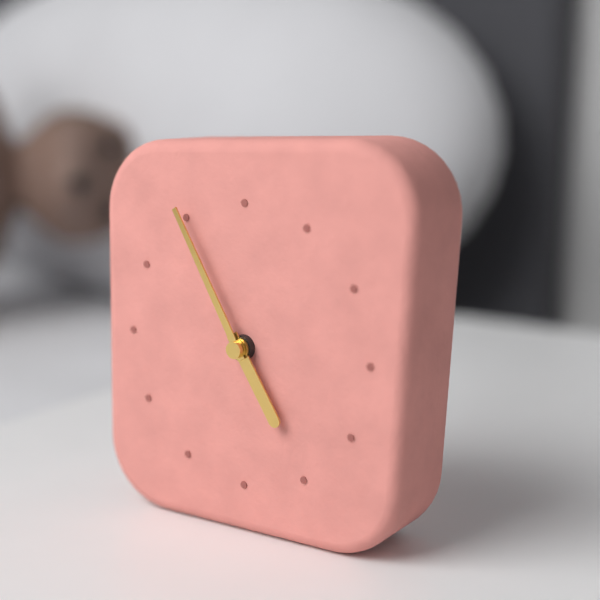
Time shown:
{"hour": 4, "minute": 55}
